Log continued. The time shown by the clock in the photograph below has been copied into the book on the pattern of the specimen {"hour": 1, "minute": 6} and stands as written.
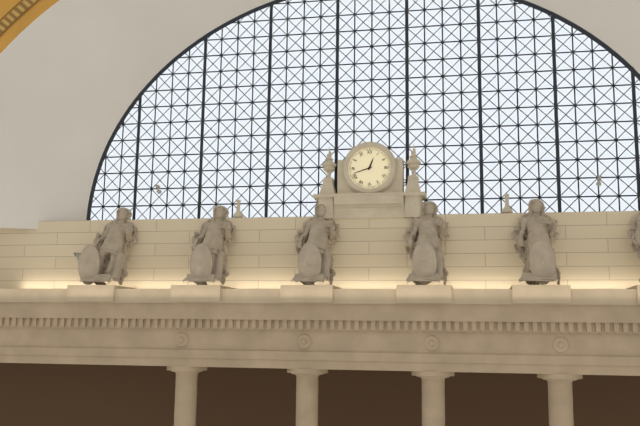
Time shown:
{"hour": 12, "minute": 42}
